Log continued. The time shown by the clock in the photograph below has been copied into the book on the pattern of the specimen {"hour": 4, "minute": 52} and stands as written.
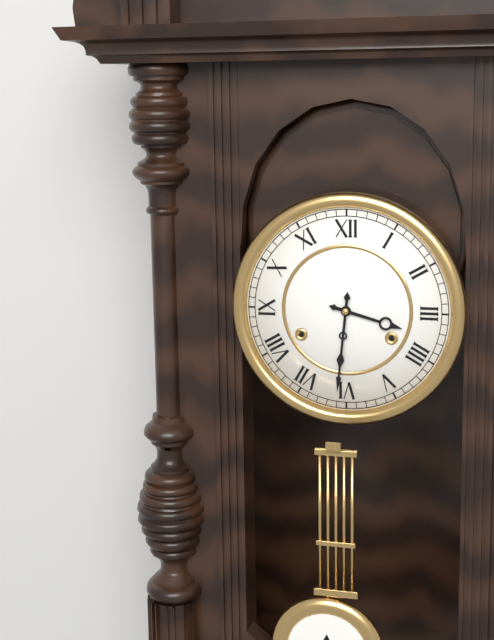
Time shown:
{"hour": 3, "minute": 31}
